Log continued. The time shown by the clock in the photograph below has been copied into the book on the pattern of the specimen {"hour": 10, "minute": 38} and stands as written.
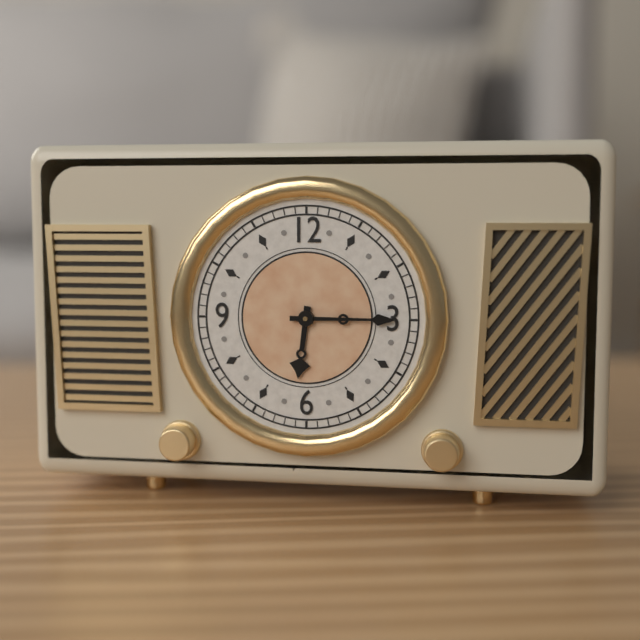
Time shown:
{"hour": 6, "minute": 15}
